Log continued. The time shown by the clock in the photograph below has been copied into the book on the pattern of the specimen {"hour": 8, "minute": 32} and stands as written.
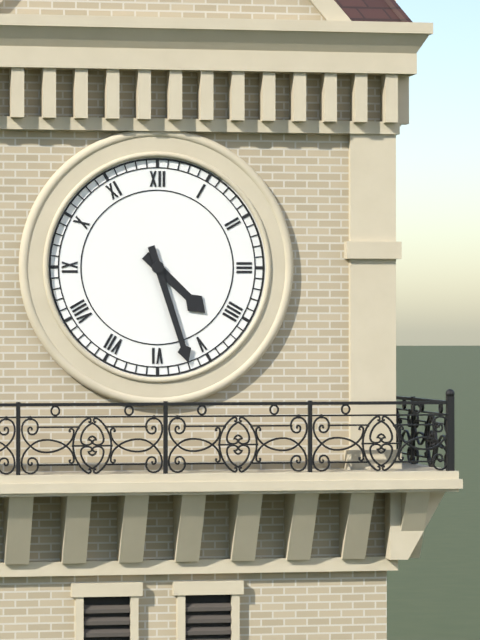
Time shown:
{"hour": 4, "minute": 27}
